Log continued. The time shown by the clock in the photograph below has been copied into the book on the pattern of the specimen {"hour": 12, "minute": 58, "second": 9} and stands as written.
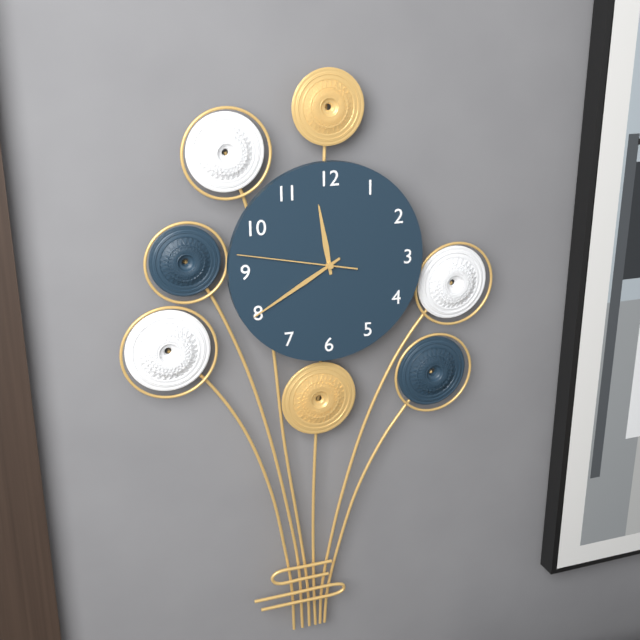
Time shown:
{"hour": 11, "minute": 40, "second": 47}
